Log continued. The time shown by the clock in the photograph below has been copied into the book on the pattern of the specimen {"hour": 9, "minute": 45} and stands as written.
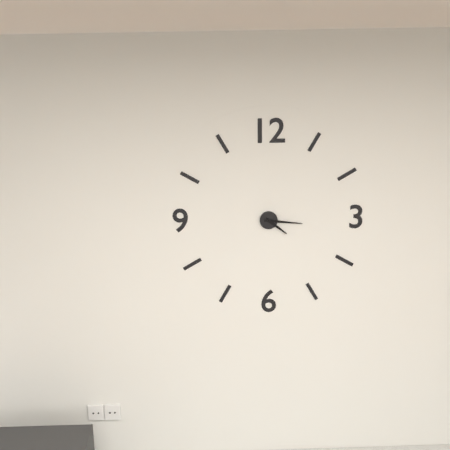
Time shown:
{"hour": 4, "minute": 16}
